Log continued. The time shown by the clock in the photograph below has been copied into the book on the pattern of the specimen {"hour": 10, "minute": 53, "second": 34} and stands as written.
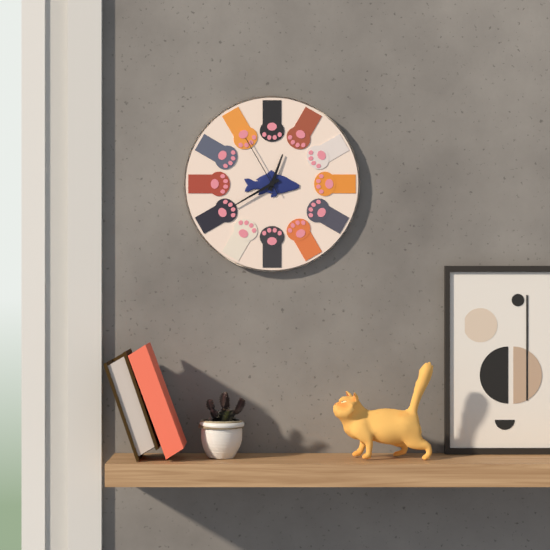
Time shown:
{"hour": 12, "minute": 40, "second": 55}
